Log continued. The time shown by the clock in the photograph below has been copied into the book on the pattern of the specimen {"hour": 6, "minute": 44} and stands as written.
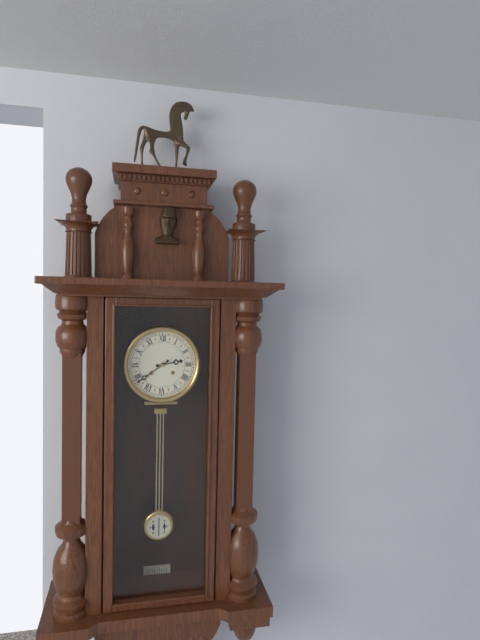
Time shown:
{"hour": 2, "minute": 39}
